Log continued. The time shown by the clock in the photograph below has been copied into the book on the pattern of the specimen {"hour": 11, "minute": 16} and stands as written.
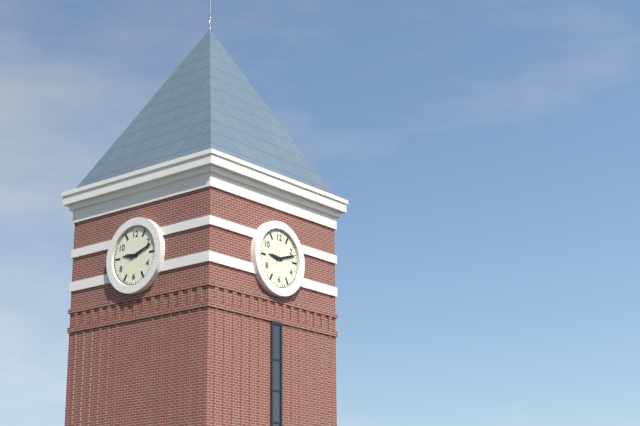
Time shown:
{"hour": 9, "minute": 12}
